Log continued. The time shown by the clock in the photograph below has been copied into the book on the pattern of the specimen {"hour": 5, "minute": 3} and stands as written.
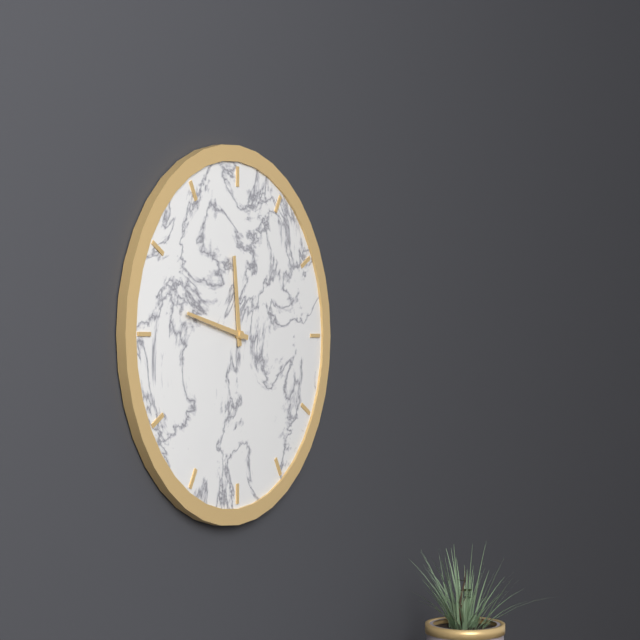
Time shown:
{"hour": 11, "minute": 47}
